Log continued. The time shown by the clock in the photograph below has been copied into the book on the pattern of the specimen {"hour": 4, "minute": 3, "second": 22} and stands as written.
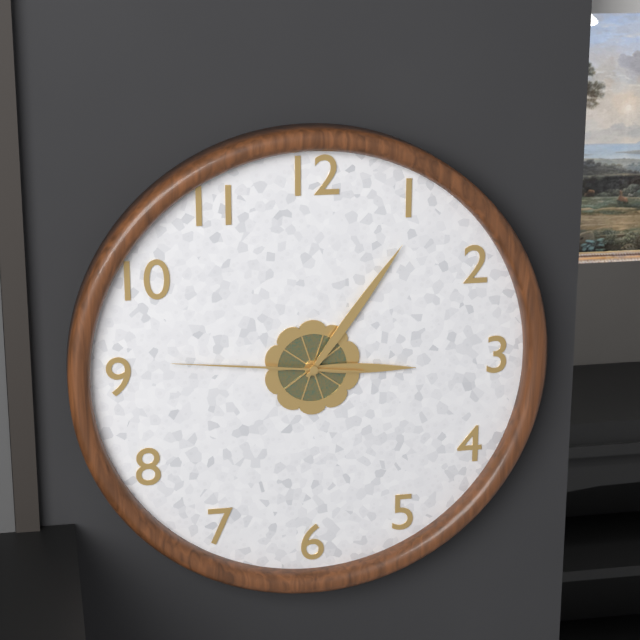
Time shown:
{"hour": 3, "minute": 6, "second": 46}
